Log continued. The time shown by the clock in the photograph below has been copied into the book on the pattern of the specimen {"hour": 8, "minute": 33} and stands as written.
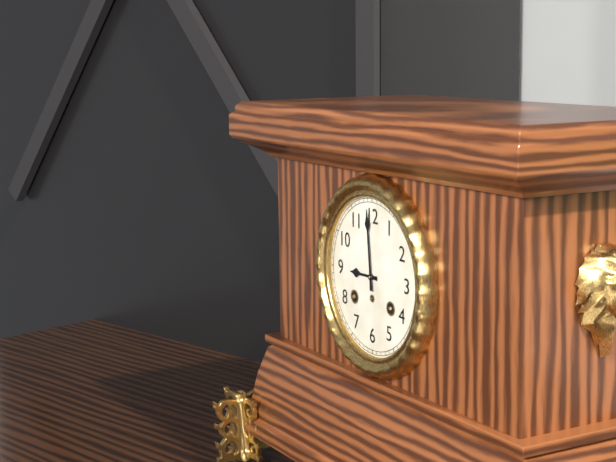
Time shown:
{"hour": 8, "minute": 59}
